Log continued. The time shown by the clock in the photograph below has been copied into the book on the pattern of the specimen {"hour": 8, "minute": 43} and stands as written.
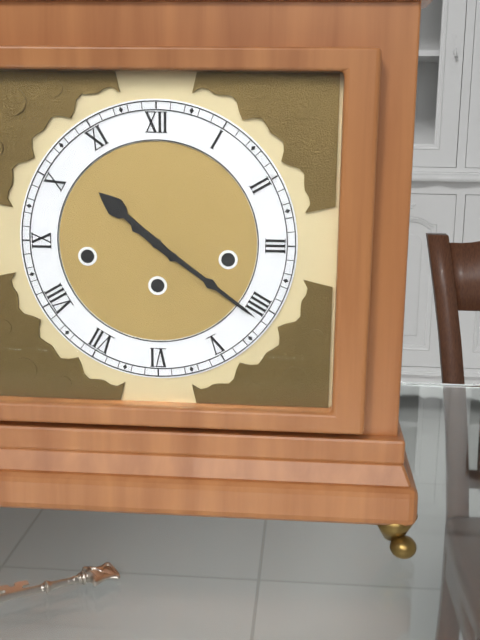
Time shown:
{"hour": 10, "minute": 21}
